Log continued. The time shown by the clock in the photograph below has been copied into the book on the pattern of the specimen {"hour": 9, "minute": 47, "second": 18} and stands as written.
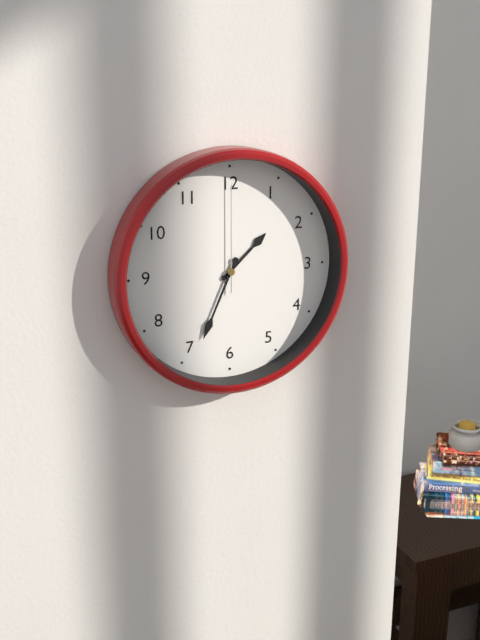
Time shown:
{"hour": 1, "minute": 34, "second": 0}
